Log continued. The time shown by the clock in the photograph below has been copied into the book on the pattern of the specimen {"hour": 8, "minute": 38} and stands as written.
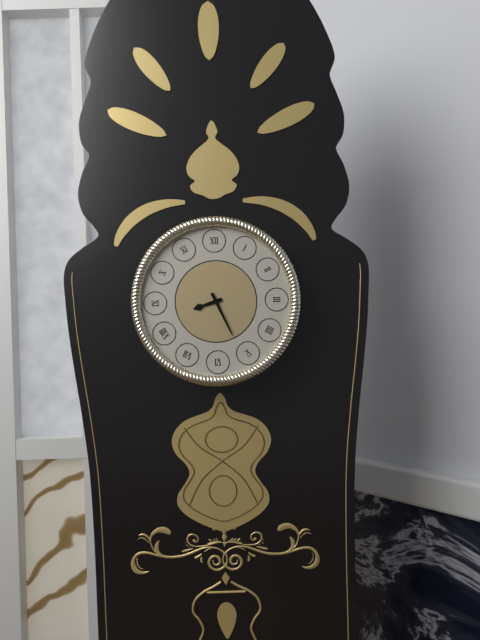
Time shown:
{"hour": 8, "minute": 26}
